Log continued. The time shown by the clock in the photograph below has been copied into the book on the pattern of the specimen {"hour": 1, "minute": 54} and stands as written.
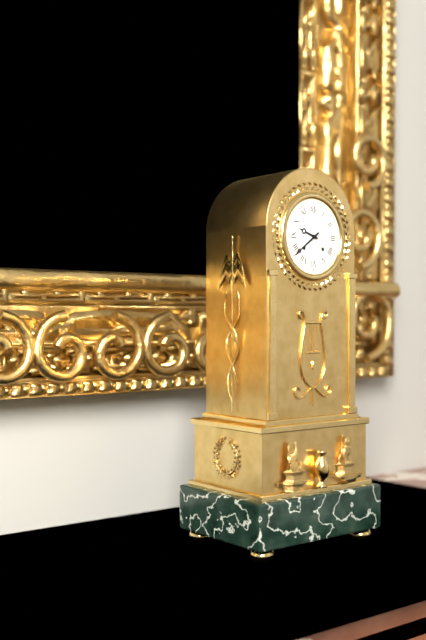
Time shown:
{"hour": 9, "minute": 39}
